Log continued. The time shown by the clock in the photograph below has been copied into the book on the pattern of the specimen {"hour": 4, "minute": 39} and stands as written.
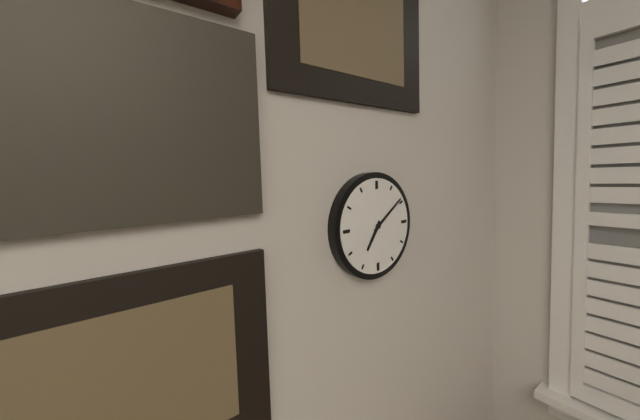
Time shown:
{"hour": 7, "minute": 9}
